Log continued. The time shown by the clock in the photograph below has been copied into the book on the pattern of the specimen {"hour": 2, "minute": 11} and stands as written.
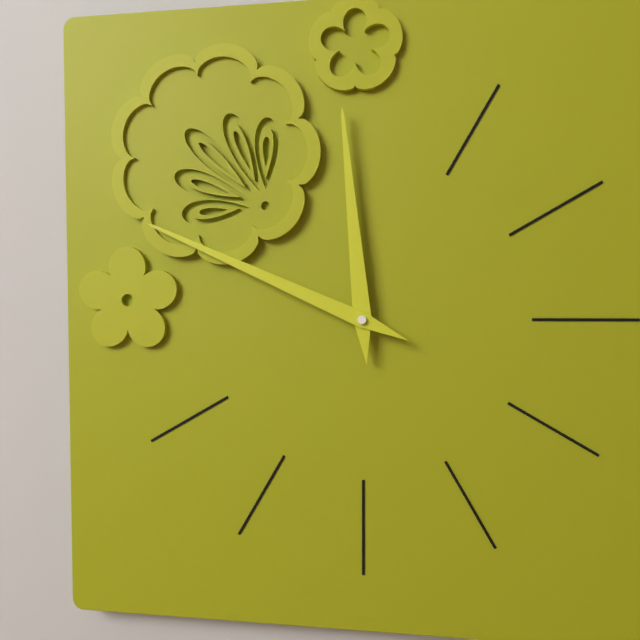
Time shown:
{"hour": 11, "minute": 49}
